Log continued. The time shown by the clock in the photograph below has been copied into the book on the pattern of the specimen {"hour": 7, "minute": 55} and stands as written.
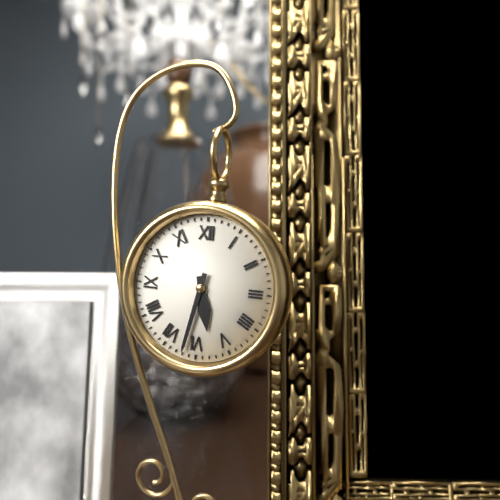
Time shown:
{"hour": 5, "minute": 32}
